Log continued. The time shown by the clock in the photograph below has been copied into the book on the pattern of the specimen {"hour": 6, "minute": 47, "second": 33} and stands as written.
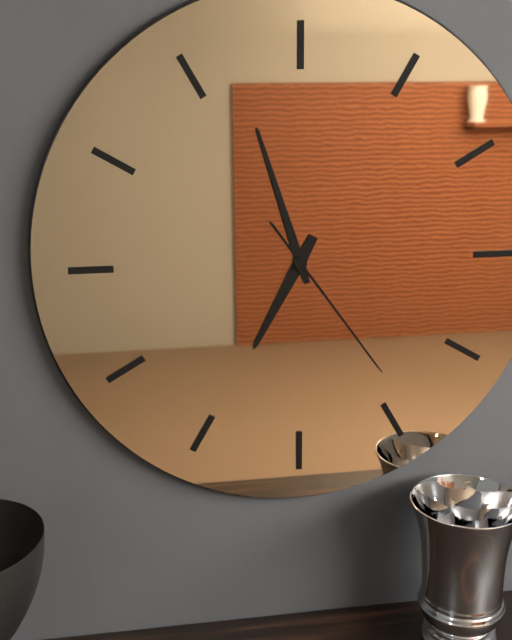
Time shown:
{"hour": 6, "minute": 57, "second": 24}
